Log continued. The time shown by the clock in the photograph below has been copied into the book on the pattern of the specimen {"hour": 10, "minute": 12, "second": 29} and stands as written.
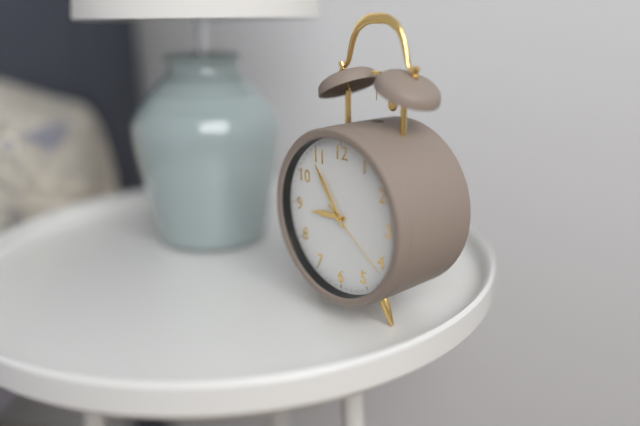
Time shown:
{"hour": 8, "minute": 54, "second": 21}
